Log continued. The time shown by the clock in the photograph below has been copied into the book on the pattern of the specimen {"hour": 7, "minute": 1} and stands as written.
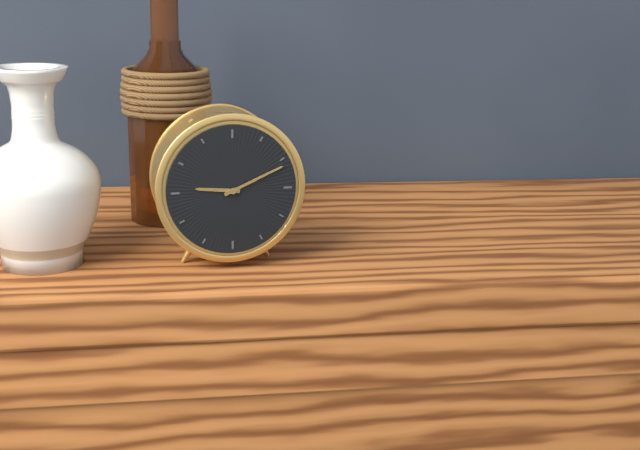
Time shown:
{"hour": 9, "minute": 11}
